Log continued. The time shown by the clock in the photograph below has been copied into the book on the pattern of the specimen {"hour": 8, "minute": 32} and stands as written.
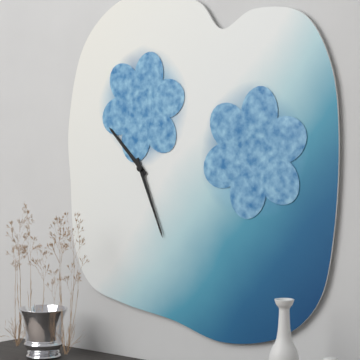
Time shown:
{"hour": 10, "minute": 26}
